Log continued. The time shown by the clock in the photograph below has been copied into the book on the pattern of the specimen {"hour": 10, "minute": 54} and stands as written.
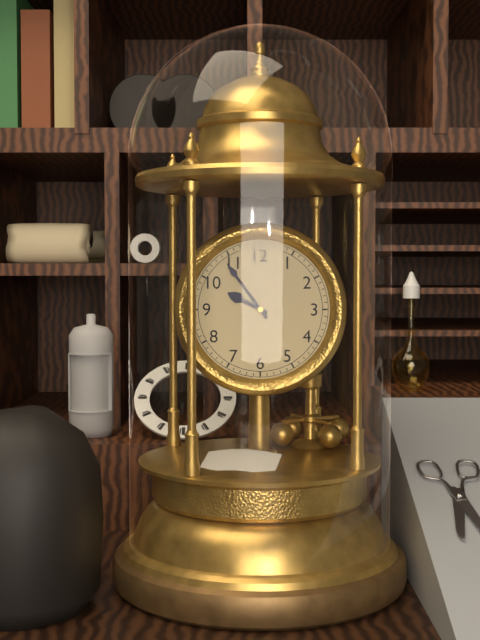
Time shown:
{"hour": 9, "minute": 54}
